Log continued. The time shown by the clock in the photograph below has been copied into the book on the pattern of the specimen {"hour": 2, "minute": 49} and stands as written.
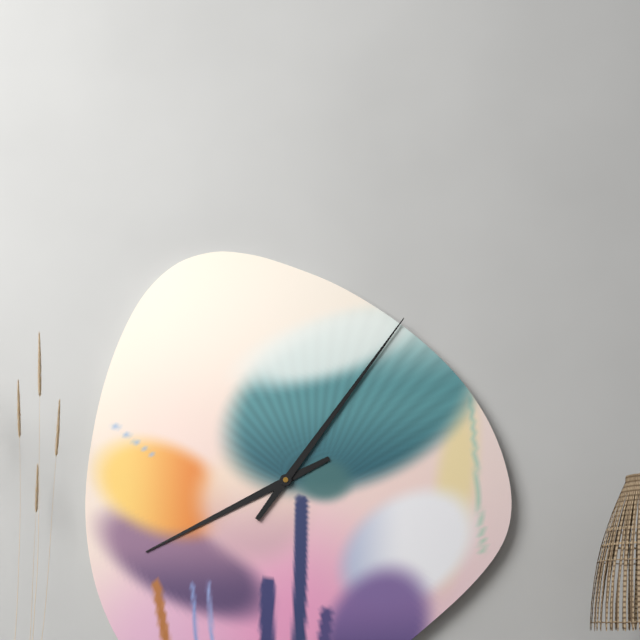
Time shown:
{"hour": 8, "minute": 6}
